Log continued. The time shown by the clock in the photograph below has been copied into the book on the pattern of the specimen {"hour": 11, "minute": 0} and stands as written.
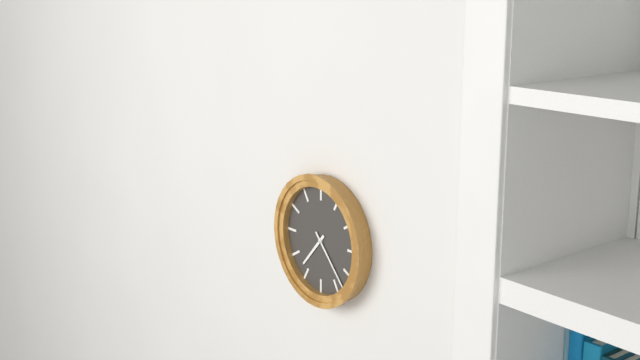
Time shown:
{"hour": 7, "minute": 23}
